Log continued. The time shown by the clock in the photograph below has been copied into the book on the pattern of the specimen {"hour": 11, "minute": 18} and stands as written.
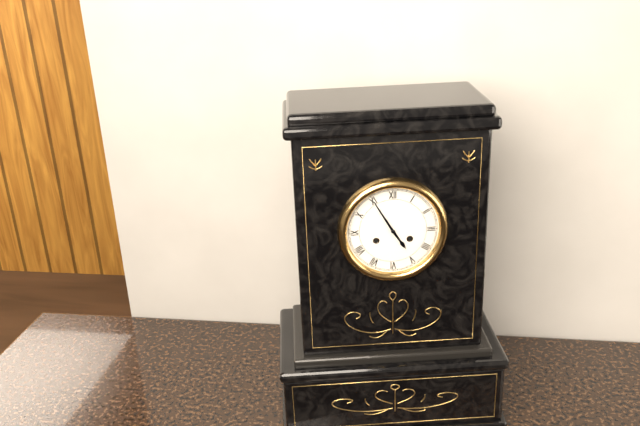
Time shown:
{"hour": 4, "minute": 55}
